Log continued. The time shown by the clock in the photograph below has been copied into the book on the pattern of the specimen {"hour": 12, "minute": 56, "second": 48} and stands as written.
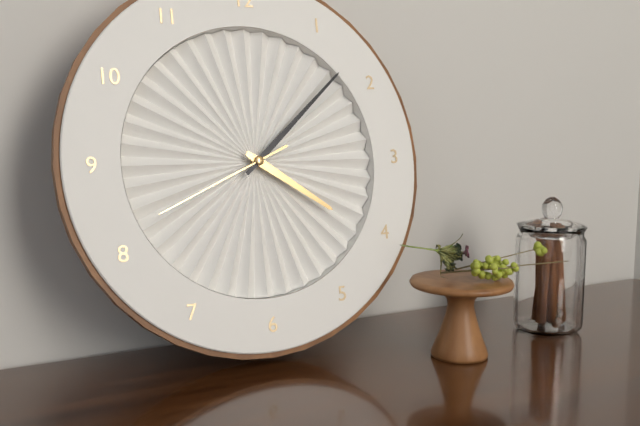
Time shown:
{"hour": 4, "minute": 8, "second": 41}
